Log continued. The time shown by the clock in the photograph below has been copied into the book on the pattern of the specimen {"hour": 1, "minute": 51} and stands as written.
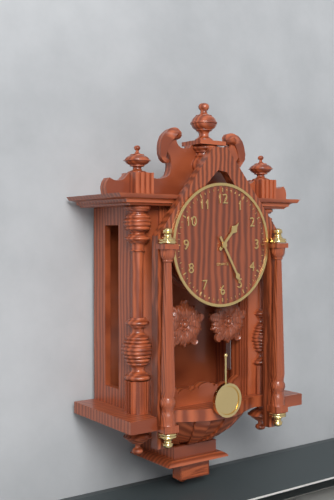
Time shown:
{"hour": 1, "minute": 25}
